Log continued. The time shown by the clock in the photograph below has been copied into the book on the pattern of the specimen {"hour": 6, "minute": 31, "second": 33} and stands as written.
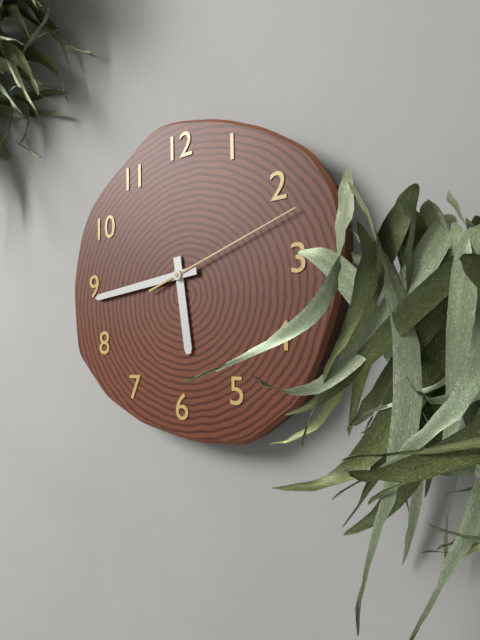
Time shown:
{"hour": 5, "minute": 44, "second": 12}
